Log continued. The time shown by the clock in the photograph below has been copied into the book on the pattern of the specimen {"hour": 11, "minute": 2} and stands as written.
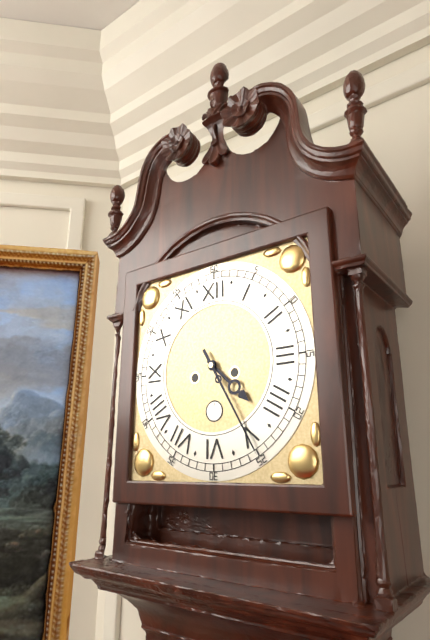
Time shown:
{"hour": 4, "minute": 25}
